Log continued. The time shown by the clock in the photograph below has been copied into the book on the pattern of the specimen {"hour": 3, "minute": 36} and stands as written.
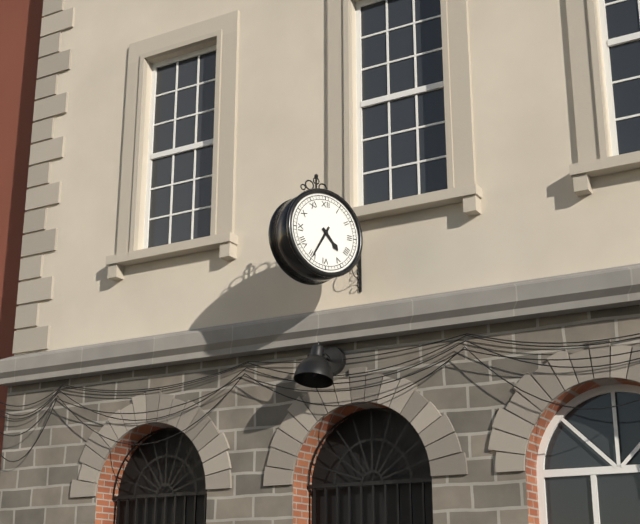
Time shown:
{"hour": 4, "minute": 35}
